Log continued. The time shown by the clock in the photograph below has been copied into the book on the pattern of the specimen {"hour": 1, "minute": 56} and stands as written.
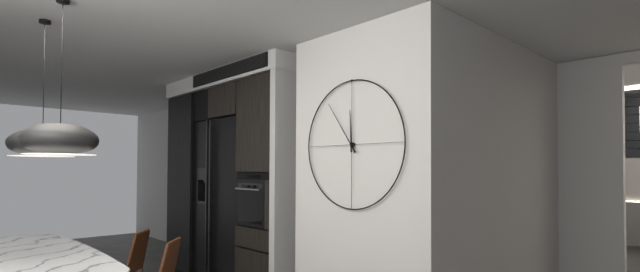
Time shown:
{"hour": 11, "minute": 54}
